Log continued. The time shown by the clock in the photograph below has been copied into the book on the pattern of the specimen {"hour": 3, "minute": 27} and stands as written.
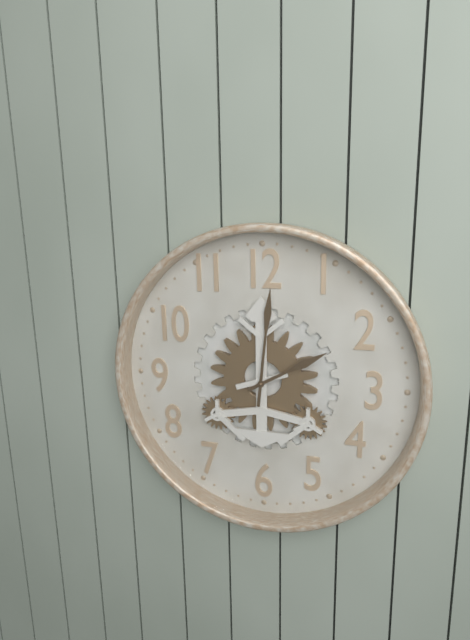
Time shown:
{"hour": 2, "minute": 1}
